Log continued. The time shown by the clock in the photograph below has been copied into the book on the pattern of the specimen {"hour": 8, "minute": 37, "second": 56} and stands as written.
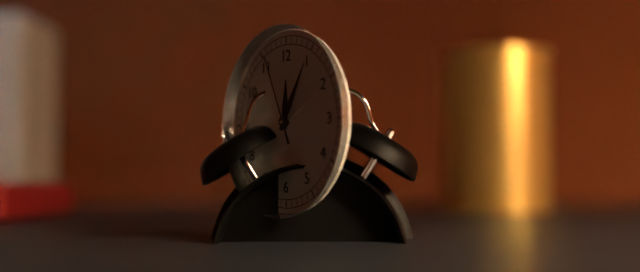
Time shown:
{"hour": 12, "minute": 5, "second": 56}
